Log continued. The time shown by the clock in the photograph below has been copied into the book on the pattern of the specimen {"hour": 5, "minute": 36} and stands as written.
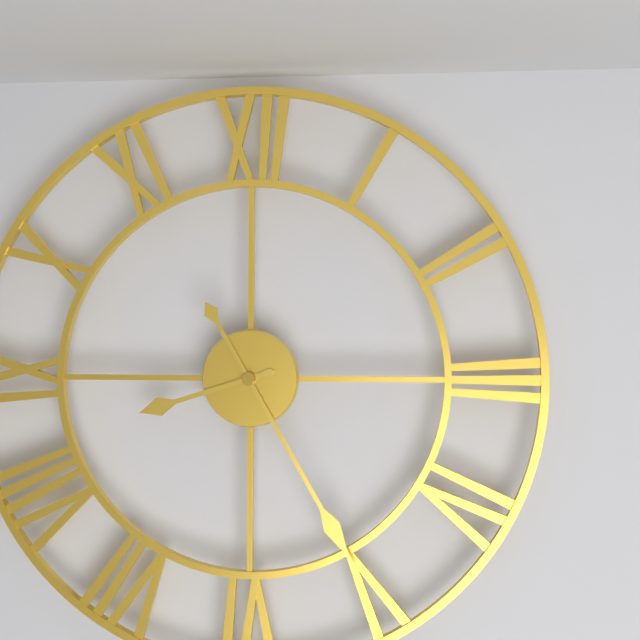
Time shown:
{"hour": 8, "minute": 25}
